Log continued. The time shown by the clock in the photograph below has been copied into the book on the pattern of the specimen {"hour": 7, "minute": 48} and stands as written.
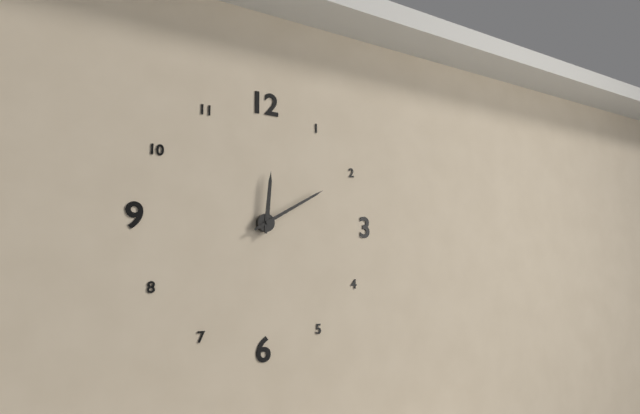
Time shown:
{"hour": 12, "minute": 10}
